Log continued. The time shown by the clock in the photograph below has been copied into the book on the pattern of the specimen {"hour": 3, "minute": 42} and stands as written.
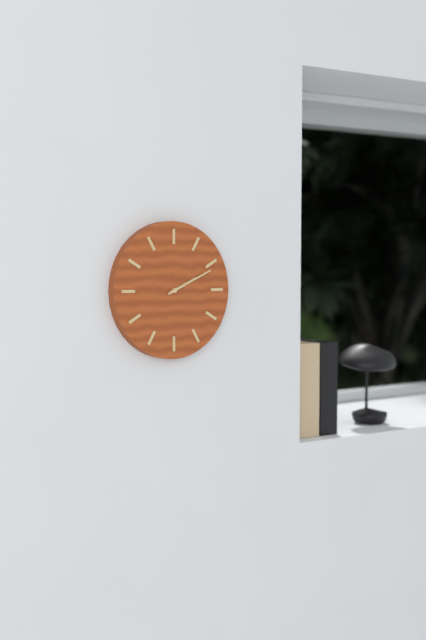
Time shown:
{"hour": 2, "minute": 11}
